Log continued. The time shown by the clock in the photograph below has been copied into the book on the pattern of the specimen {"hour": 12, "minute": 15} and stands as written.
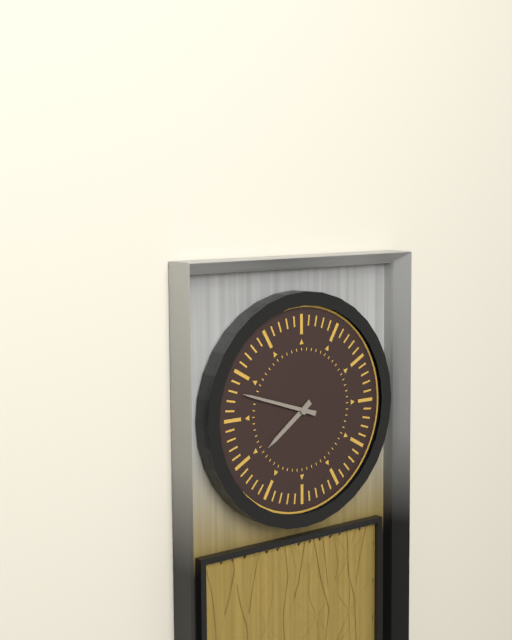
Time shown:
{"hour": 7, "minute": 48}
